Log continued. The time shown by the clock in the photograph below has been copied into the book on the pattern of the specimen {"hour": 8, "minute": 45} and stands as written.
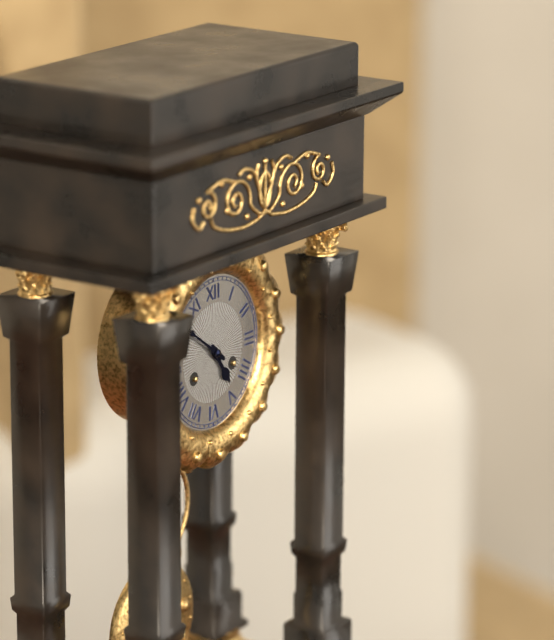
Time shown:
{"hour": 4, "minute": 51}
